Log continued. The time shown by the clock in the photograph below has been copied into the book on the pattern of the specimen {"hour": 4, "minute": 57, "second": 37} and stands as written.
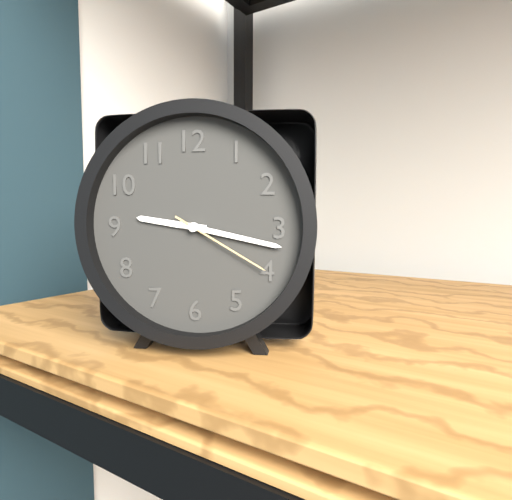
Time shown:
{"hour": 9, "minute": 17, "second": 20}
